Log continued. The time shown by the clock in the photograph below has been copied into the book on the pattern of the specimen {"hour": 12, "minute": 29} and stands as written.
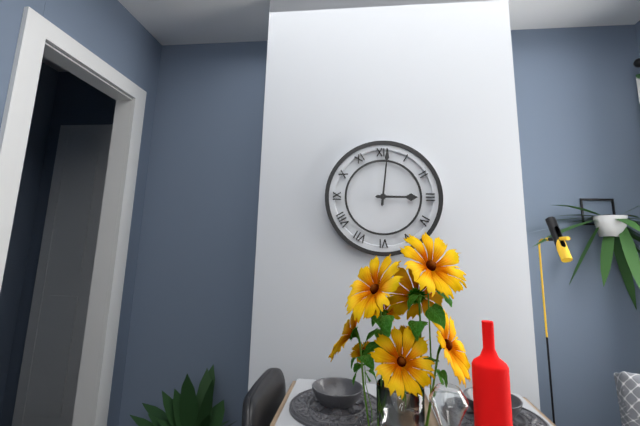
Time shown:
{"hour": 3, "minute": 1}
